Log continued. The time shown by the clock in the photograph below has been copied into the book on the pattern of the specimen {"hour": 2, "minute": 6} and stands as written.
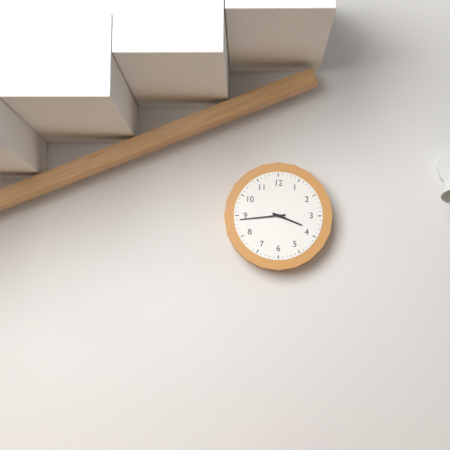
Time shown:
{"hour": 3, "minute": 44}
